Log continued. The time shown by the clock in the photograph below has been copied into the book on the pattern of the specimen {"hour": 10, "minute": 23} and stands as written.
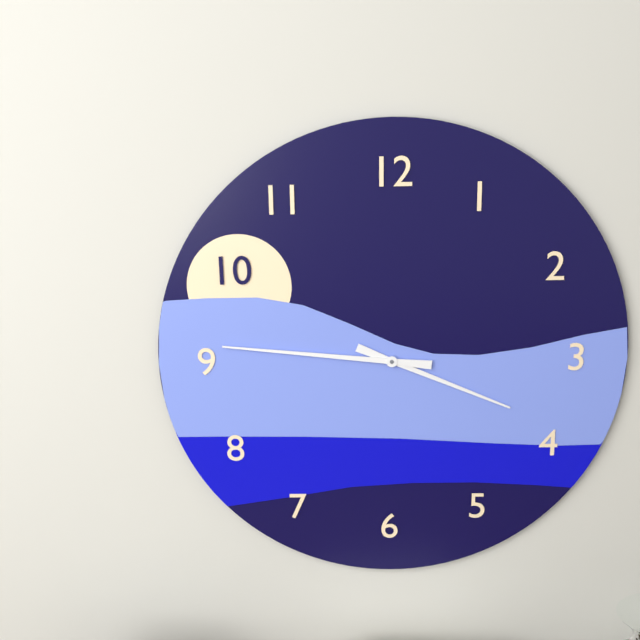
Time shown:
{"hour": 3, "minute": 46}
